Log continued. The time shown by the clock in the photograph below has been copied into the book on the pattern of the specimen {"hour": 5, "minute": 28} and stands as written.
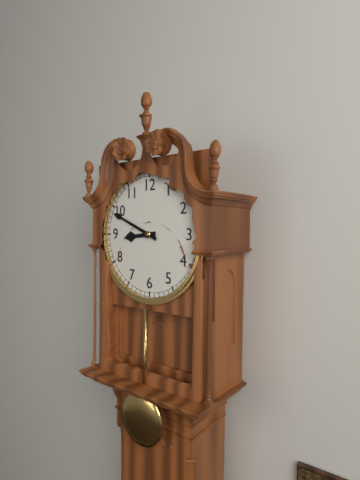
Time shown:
{"hour": 8, "minute": 49}
